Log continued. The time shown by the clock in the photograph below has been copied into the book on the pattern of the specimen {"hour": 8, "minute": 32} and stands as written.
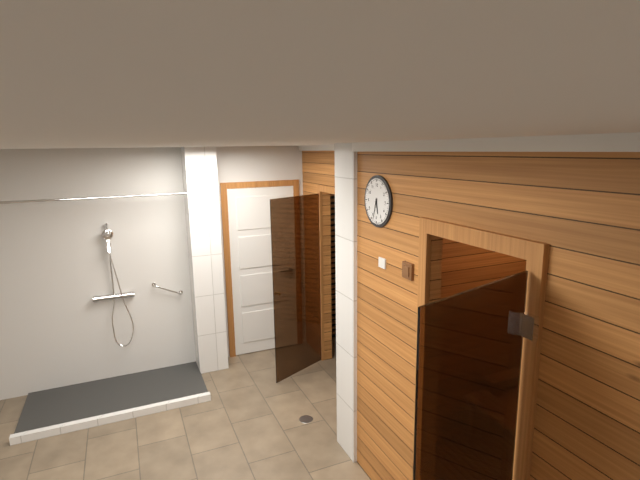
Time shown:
{"hour": 5, "minute": 33}
